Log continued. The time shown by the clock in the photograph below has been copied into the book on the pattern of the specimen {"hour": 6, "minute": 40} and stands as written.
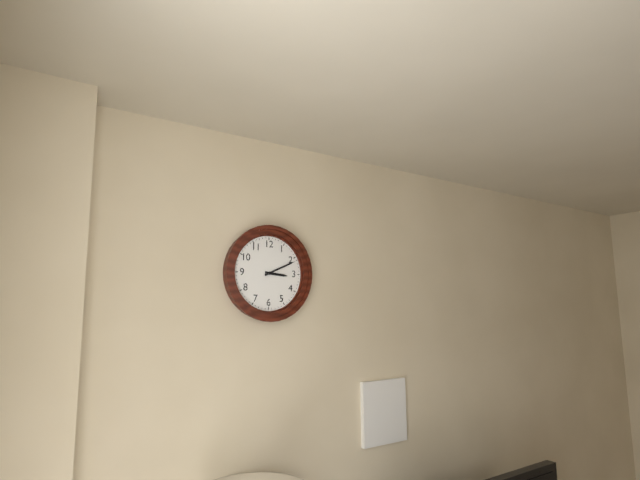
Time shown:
{"hour": 3, "minute": 11}
